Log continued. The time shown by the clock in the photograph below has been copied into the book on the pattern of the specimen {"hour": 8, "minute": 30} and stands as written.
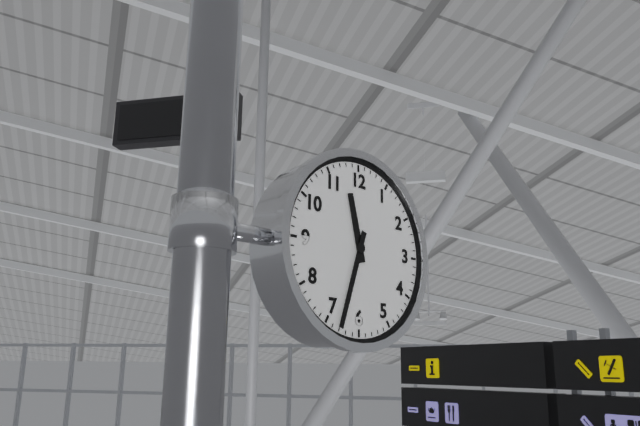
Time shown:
{"hour": 11, "minute": 33}
